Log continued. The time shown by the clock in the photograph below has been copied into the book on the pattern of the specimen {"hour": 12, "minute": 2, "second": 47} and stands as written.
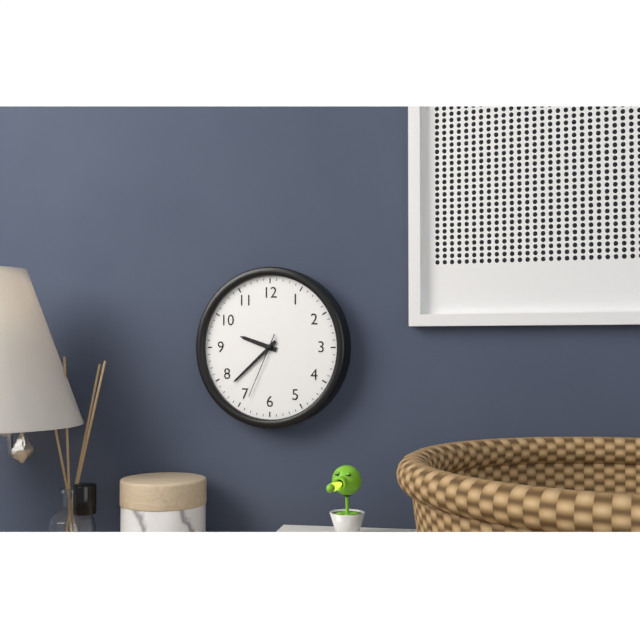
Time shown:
{"hour": 9, "minute": 38, "second": 34}
